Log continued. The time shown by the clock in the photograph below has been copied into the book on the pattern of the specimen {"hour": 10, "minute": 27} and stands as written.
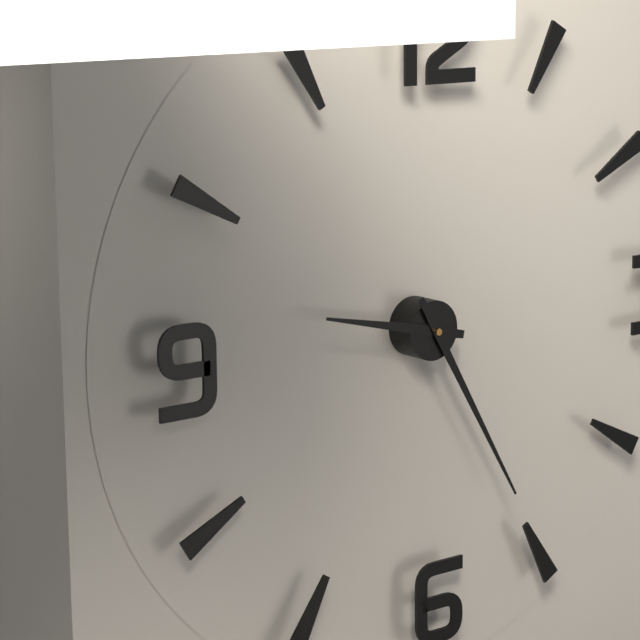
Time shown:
{"hour": 9, "minute": 25}
